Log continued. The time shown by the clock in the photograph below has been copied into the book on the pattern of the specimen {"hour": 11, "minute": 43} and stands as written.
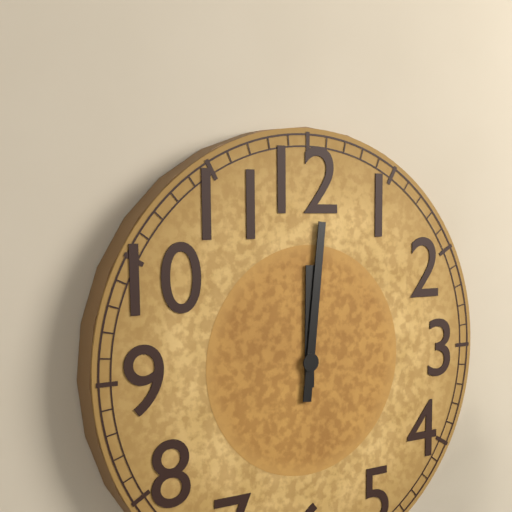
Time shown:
{"hour": 12, "minute": 1}
